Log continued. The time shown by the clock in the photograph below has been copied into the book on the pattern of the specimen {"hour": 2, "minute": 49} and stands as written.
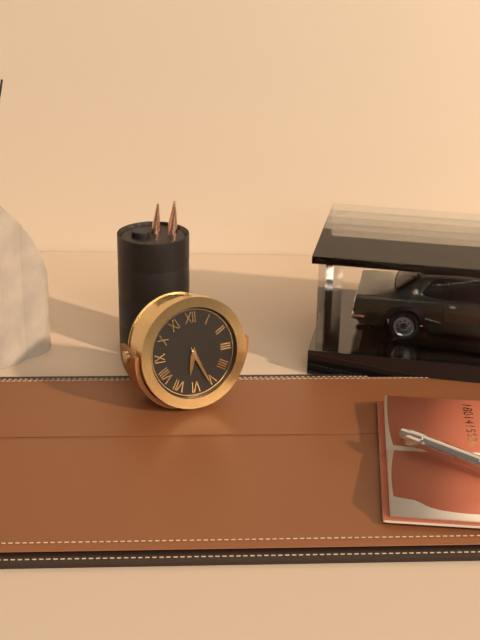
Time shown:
{"hour": 6, "minute": 26}
